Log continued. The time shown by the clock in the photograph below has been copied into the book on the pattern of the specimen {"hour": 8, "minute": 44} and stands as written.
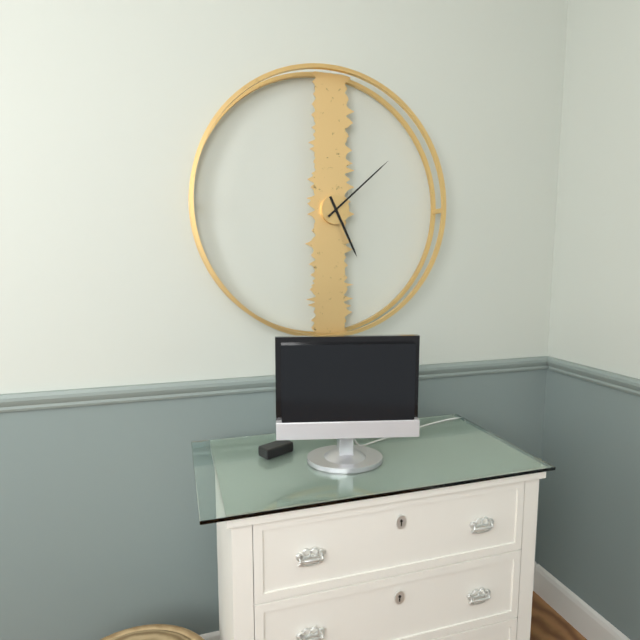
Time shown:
{"hour": 5, "minute": 8}
